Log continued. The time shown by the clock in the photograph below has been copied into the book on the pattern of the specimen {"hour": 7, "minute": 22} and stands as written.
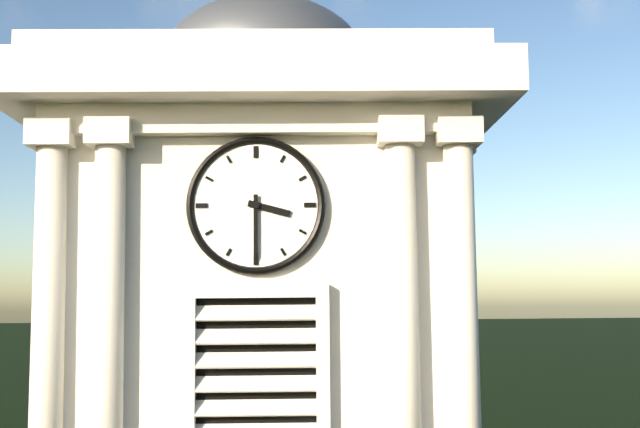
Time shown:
{"hour": 3, "minute": 30}
